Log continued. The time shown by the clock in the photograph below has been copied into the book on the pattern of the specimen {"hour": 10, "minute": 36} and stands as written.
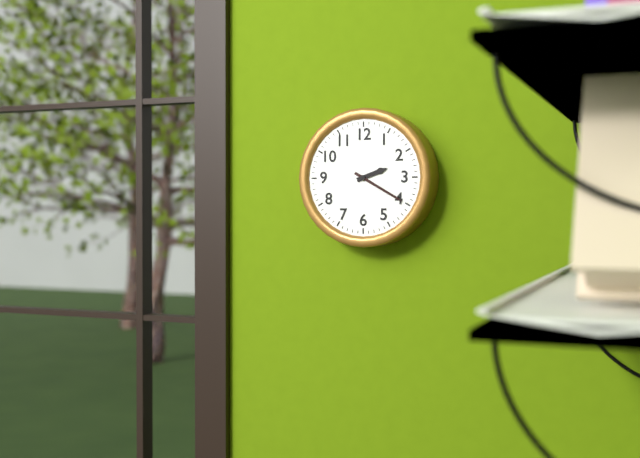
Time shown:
{"hour": 2, "minute": 20}
